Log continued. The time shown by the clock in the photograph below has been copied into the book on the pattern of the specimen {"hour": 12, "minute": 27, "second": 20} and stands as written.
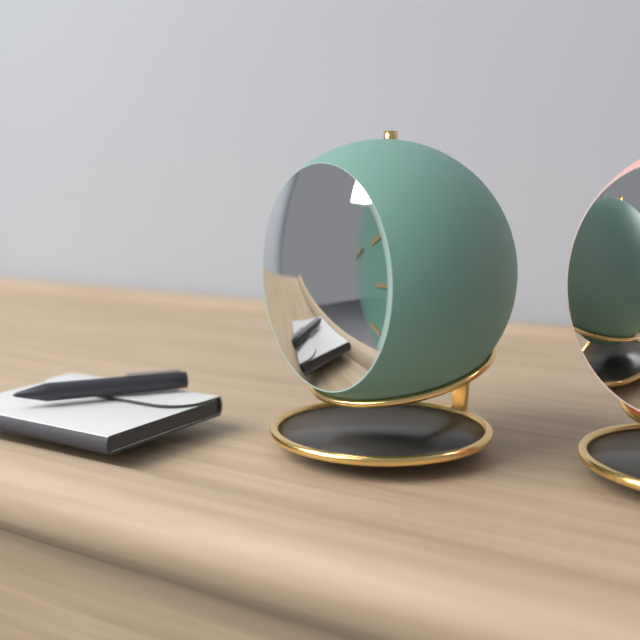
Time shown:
{"hour": 1, "minute": 56, "second": 54}
